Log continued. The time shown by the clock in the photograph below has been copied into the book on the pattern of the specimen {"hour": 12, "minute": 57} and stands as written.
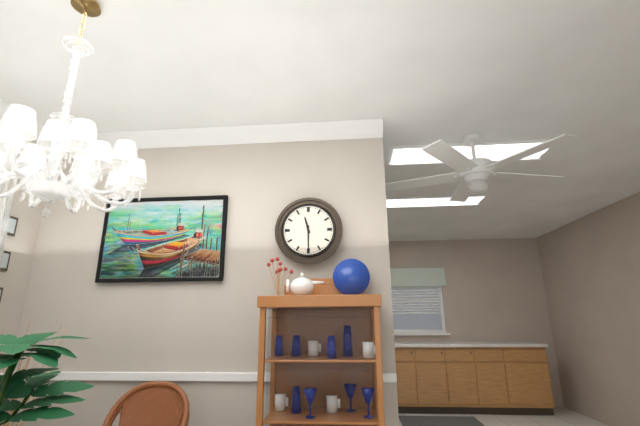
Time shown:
{"hour": 11, "minute": 30}
